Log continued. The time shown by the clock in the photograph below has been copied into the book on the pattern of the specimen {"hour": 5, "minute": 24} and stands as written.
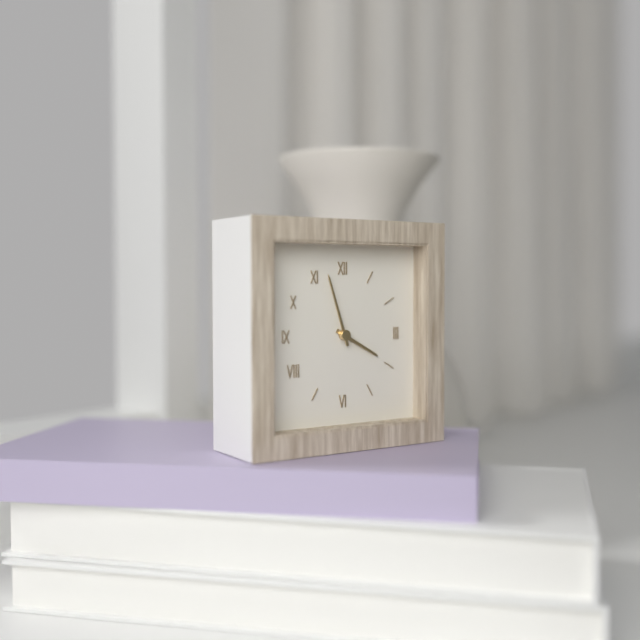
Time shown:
{"hour": 3, "minute": 57}
